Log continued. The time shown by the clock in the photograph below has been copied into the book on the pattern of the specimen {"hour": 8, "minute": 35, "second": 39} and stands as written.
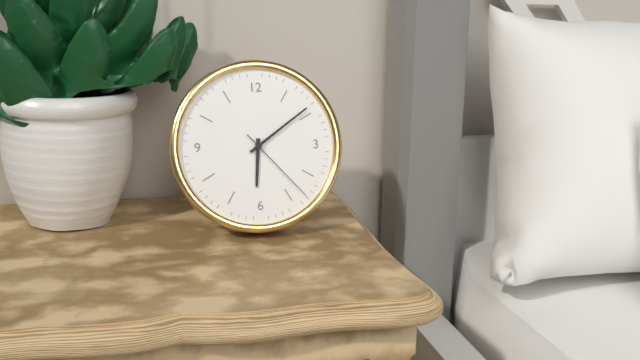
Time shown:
{"hour": 6, "minute": 9, "second": 23}
